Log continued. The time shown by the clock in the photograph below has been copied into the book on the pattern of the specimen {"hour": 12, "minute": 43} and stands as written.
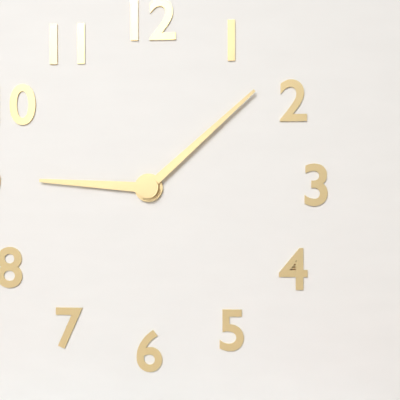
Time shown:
{"hour": 9, "minute": 8}
